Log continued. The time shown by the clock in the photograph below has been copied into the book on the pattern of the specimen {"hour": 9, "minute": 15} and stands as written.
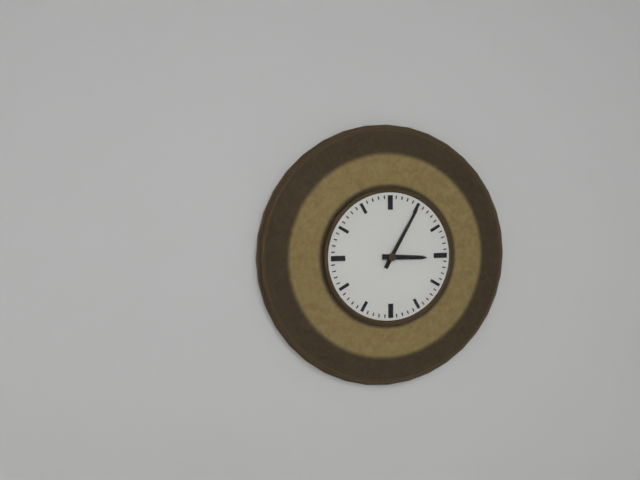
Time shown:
{"hour": 3, "minute": 5}
